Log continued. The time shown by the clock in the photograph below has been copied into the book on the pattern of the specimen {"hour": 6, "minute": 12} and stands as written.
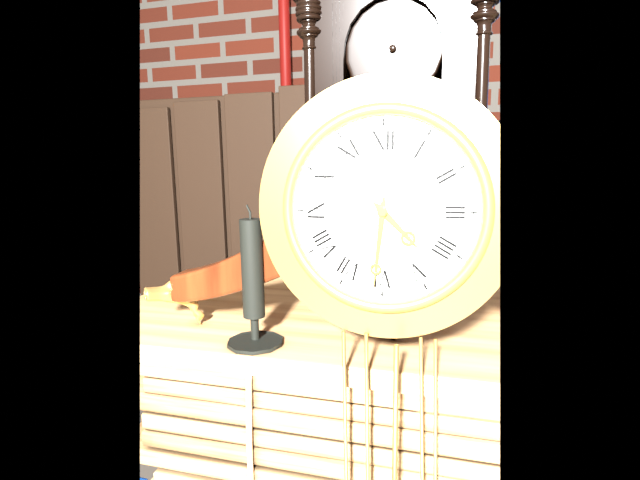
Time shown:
{"hour": 4, "minute": 31}
